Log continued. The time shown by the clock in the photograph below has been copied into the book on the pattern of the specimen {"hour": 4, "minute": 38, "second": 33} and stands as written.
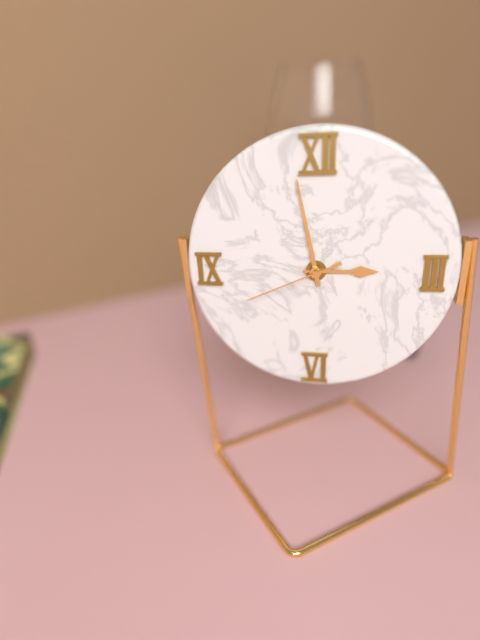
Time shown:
{"hour": 2, "minute": 58, "second": 41}
